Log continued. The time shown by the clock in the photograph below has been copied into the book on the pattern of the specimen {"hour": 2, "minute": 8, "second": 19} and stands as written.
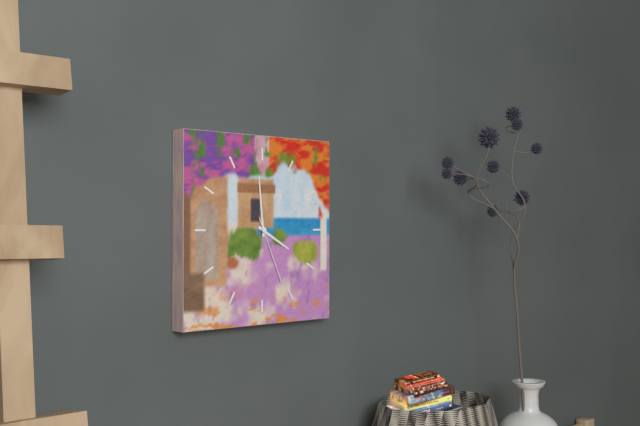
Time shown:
{"hour": 3, "minute": 59, "second": 26}
